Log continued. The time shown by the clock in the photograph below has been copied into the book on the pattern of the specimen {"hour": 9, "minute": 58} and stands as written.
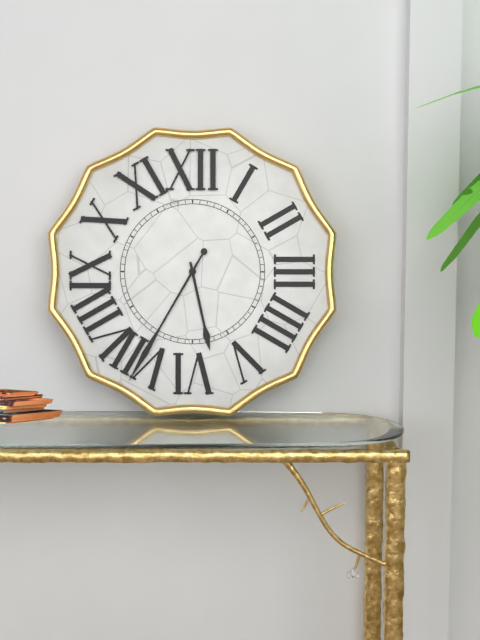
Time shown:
{"hour": 5, "minute": 35}
